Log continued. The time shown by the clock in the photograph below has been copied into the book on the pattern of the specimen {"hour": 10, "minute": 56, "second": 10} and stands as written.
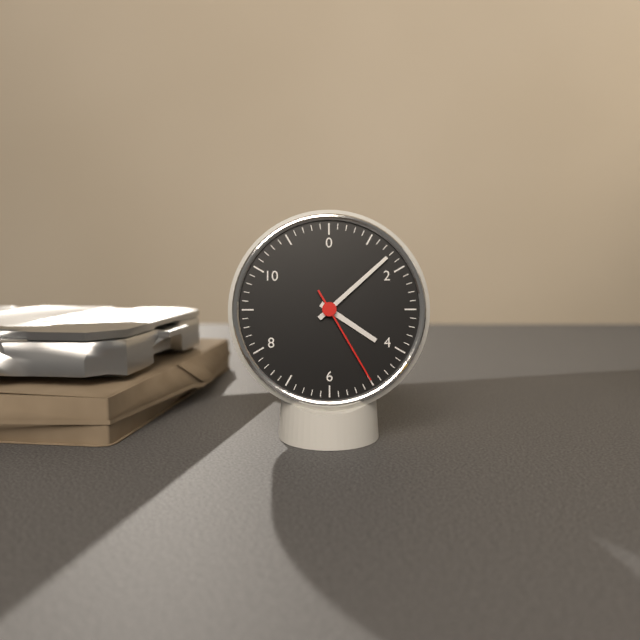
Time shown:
{"hour": 4, "minute": 8, "second": 25}
